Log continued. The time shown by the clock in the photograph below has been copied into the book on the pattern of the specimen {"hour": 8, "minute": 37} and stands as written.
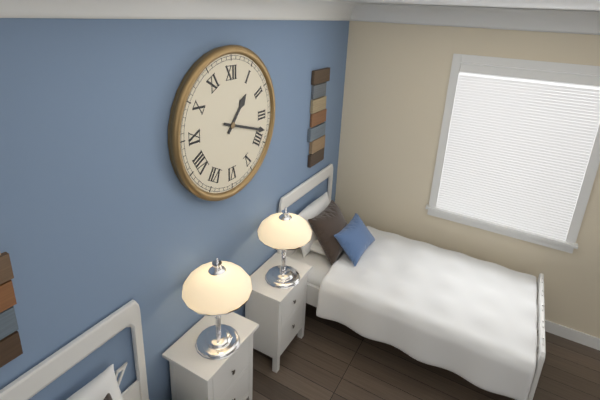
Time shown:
{"hour": 1, "minute": 18}
